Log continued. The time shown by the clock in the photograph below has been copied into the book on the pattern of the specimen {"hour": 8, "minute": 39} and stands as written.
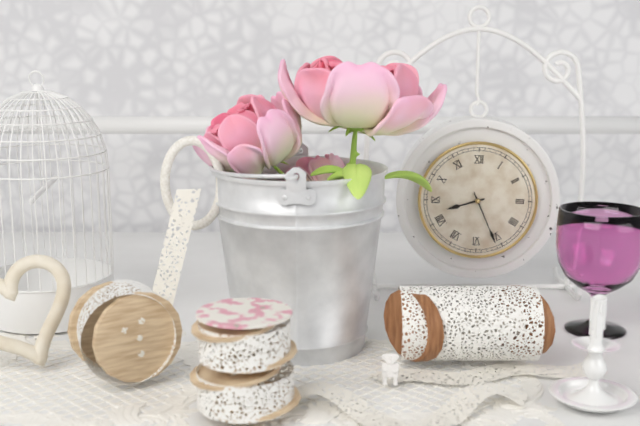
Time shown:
{"hour": 8, "minute": 26}
